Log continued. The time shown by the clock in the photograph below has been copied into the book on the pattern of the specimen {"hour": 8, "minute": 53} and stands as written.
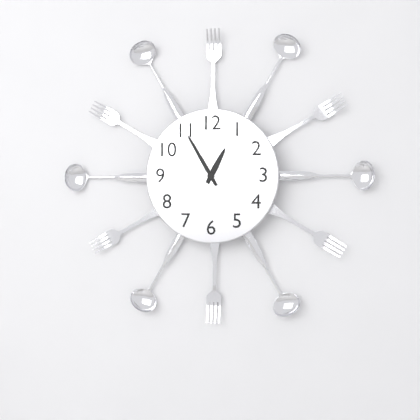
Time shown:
{"hour": 12, "minute": 55}
